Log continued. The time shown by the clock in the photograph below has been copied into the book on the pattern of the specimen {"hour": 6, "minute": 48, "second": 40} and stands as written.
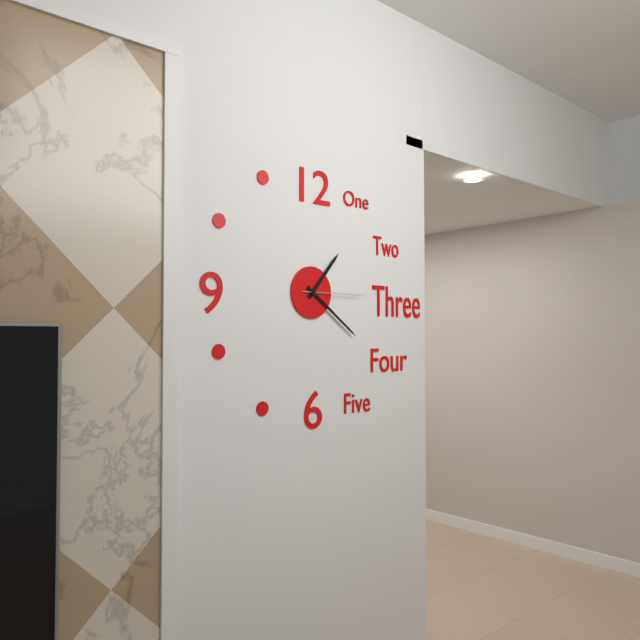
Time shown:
{"hour": 1, "minute": 21, "second": 15}
